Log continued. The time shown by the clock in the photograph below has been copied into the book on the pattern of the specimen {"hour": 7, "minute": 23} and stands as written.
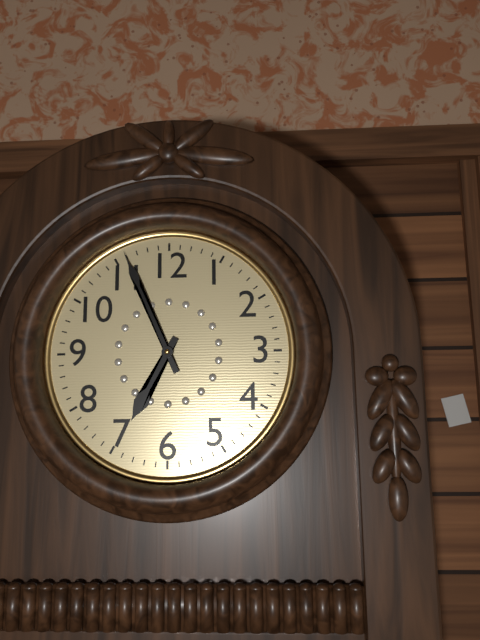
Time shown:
{"hour": 6, "minute": 56}
